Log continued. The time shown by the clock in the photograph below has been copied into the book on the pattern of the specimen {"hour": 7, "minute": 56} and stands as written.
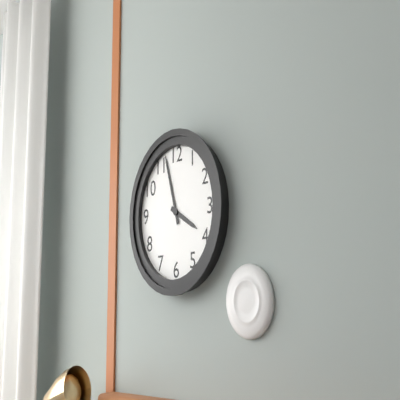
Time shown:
{"hour": 3, "minute": 57}
